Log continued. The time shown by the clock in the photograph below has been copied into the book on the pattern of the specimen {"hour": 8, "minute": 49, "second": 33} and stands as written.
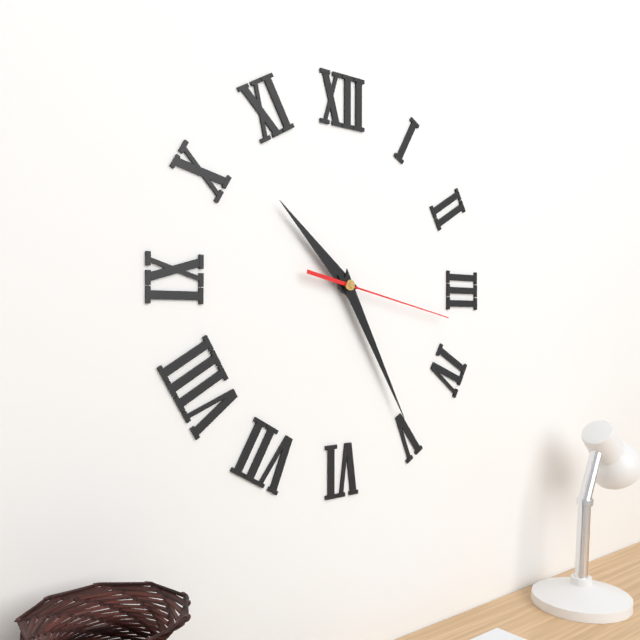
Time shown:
{"hour": 10, "minute": 25, "second": 17}
